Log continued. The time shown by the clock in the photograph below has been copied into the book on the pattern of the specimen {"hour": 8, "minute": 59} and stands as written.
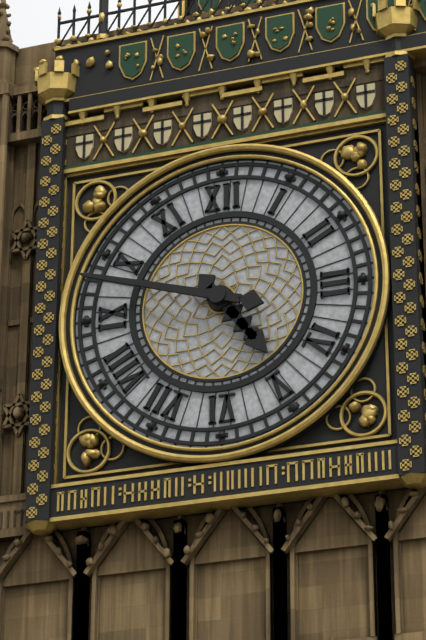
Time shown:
{"hour": 4, "minute": 48}
